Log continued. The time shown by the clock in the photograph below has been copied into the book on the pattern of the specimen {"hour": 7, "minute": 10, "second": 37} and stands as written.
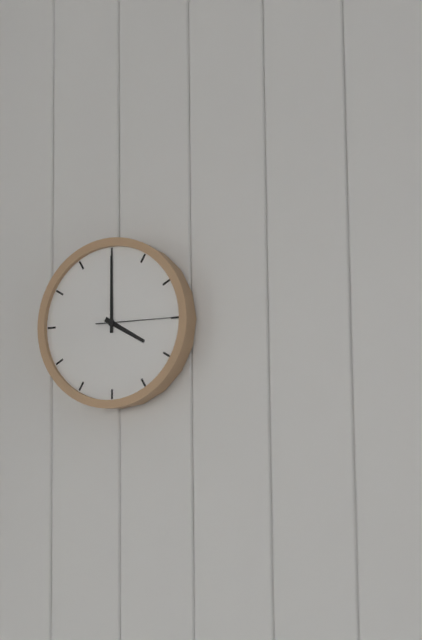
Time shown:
{"hour": 4, "minute": 0, "second": 15}
